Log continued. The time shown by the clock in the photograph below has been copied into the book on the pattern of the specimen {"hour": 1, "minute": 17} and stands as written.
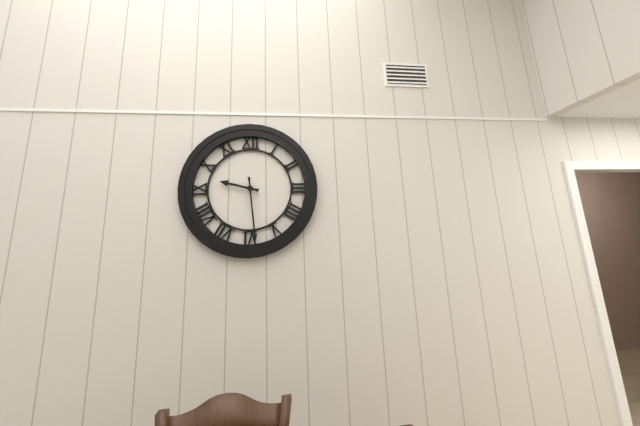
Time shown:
{"hour": 9, "minute": 29}
